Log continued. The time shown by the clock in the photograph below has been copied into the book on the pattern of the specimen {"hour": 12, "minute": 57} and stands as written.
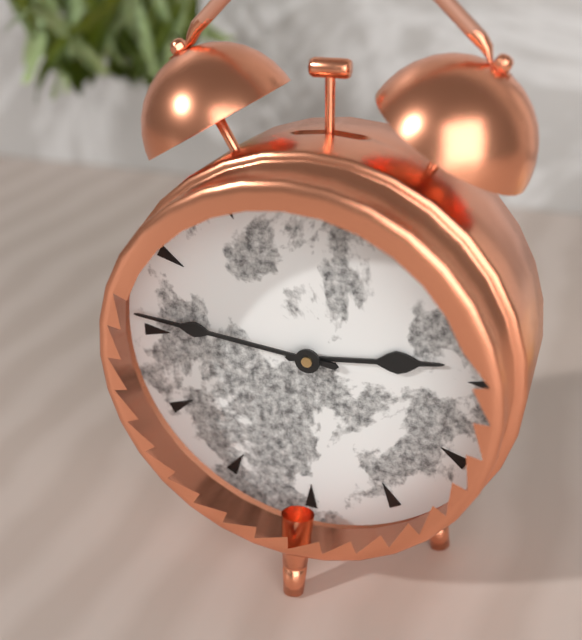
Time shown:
{"hour": 2, "minute": 46}
